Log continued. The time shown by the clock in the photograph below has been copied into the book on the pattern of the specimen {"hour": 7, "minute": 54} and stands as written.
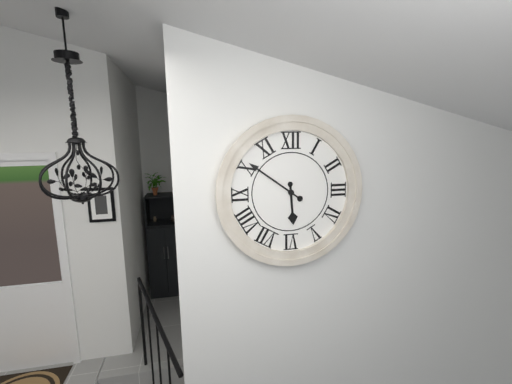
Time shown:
{"hour": 5, "minute": 51}
